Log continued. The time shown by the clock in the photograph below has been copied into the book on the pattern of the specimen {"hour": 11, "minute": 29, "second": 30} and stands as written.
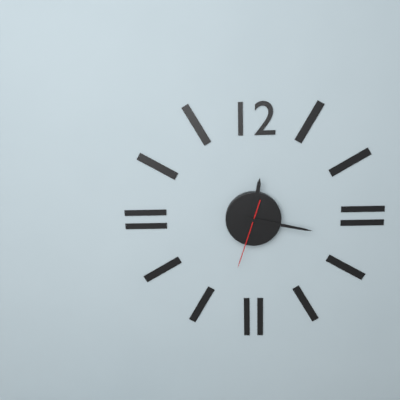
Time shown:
{"hour": 12, "minute": 17, "second": 33}
